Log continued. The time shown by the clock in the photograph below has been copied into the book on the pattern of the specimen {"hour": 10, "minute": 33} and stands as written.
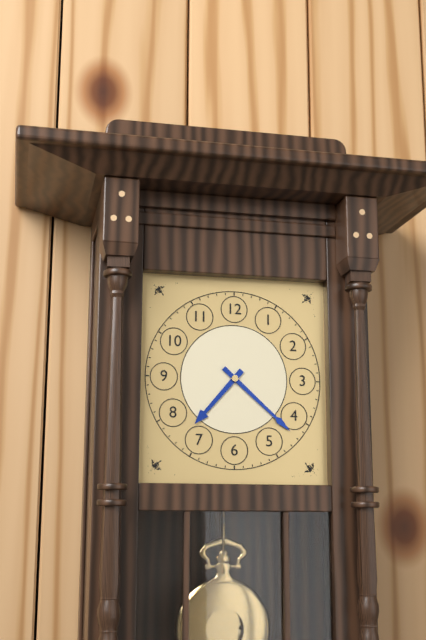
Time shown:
{"hour": 7, "minute": 22}
